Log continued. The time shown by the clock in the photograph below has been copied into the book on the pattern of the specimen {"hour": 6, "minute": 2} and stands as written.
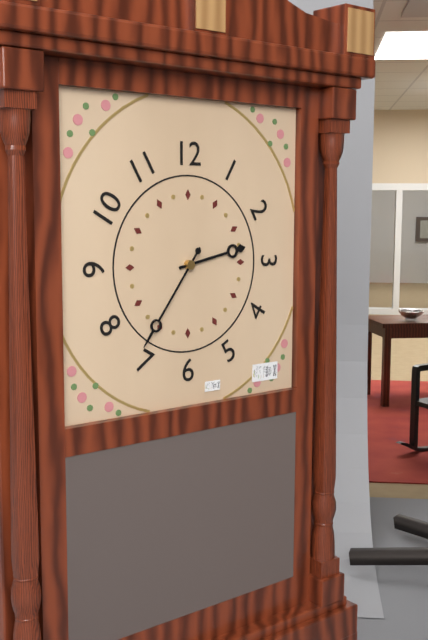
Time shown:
{"hour": 2, "minute": 36}
